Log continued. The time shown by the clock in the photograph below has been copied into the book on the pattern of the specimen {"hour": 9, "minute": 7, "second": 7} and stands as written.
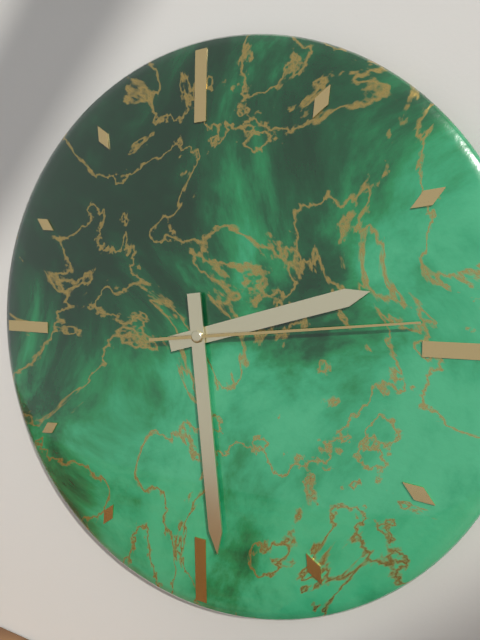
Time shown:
{"hour": 2, "minute": 29, "second": 14}
